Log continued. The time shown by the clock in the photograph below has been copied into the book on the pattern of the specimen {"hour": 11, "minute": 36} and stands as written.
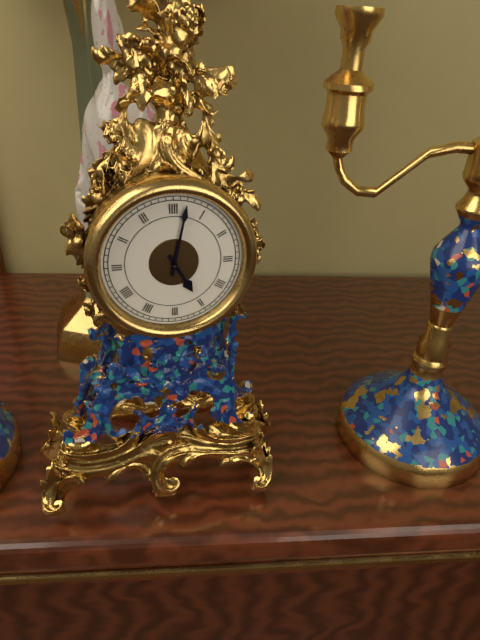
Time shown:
{"hour": 5, "minute": 2}
